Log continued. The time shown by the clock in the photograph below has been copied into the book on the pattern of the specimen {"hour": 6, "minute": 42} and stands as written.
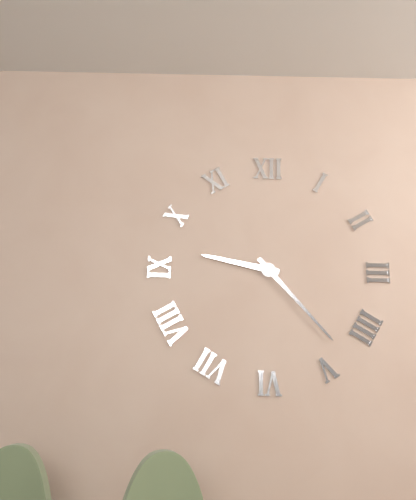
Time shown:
{"hour": 9, "minute": 23}
